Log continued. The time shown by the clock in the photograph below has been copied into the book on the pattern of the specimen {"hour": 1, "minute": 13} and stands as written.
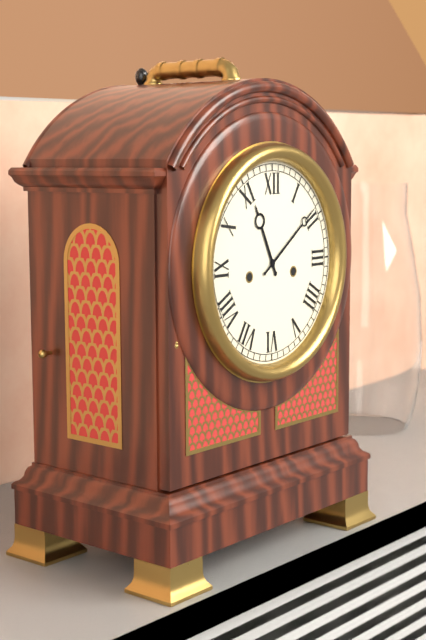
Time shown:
{"hour": 11, "minute": 9}
